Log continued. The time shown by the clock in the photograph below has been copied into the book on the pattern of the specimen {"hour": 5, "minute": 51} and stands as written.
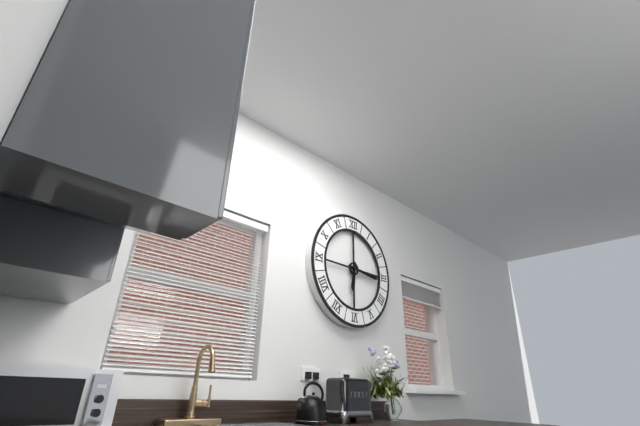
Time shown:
{"hour": 6, "minute": 16}
